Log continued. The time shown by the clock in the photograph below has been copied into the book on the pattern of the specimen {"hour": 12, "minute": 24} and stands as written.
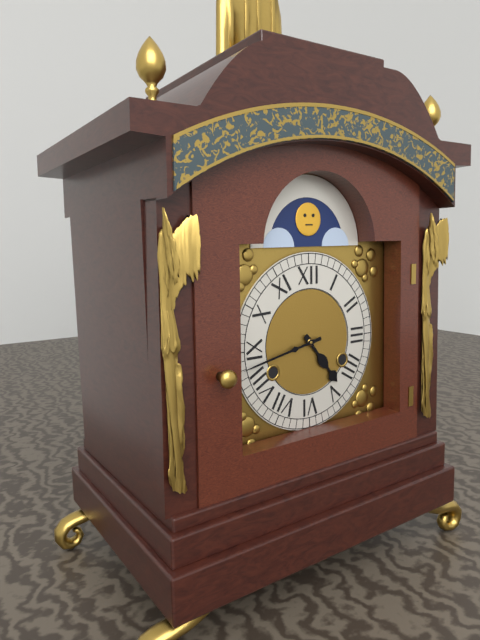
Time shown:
{"hour": 4, "minute": 43}
